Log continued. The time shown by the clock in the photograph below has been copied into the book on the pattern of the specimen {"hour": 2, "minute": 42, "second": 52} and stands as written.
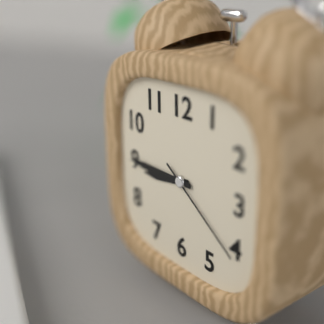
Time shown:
{"hour": 8, "minute": 45, "second": 21}
